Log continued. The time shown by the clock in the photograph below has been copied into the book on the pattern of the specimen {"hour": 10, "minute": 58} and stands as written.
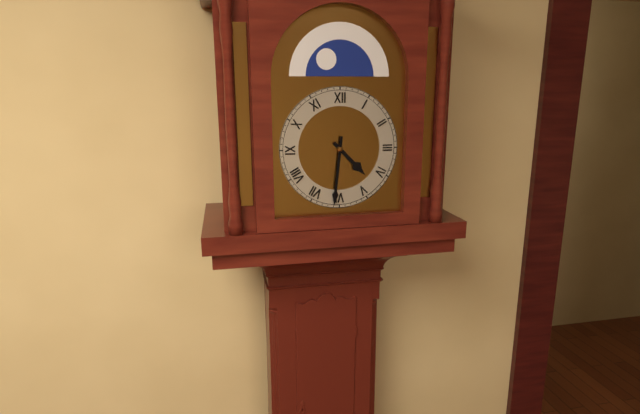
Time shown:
{"hour": 4, "minute": 31}
